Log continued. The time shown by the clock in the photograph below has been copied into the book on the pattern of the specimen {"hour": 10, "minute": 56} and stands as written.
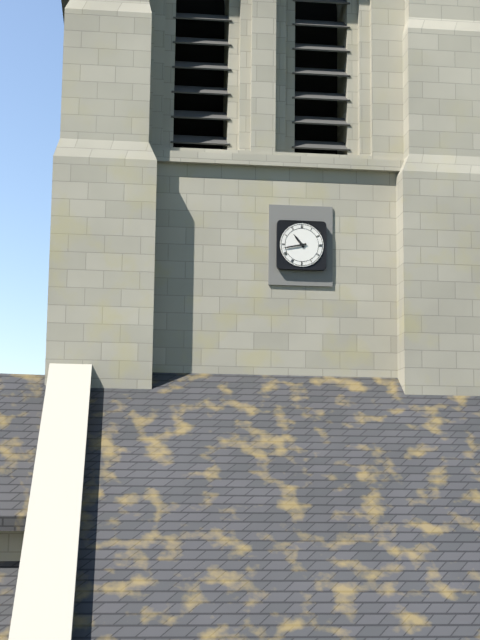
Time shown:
{"hour": 10, "minute": 43}
